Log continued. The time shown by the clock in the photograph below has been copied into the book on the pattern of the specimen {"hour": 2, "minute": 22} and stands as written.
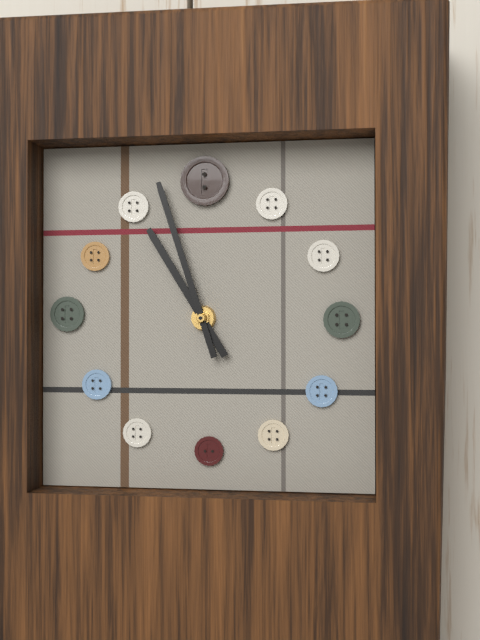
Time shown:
{"hour": 10, "minute": 57}
